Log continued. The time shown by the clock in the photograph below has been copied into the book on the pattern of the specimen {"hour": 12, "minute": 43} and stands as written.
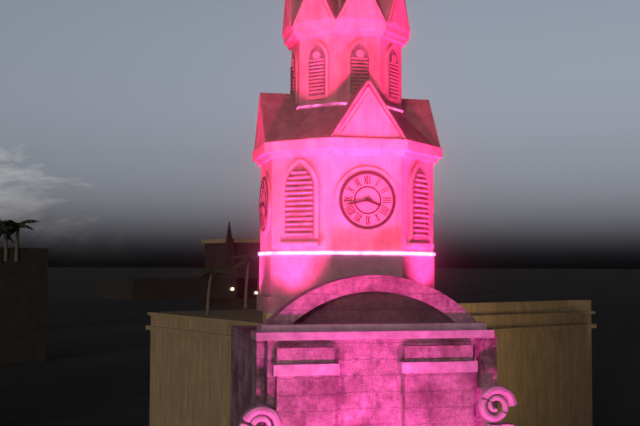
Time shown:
{"hour": 3, "minute": 43}
